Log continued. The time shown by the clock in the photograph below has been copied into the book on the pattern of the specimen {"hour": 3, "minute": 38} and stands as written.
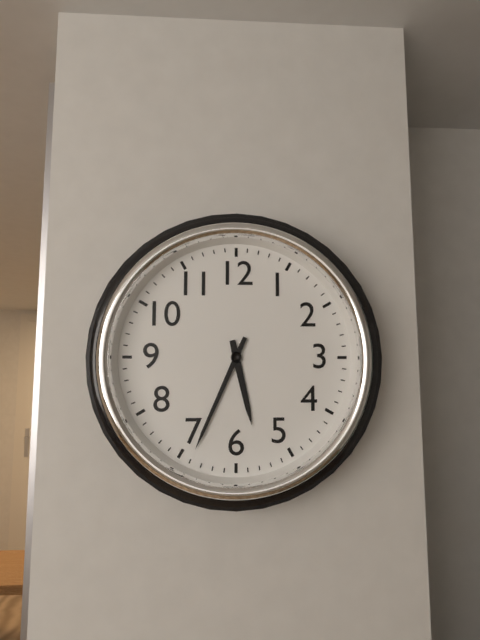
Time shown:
{"hour": 5, "minute": 34}
